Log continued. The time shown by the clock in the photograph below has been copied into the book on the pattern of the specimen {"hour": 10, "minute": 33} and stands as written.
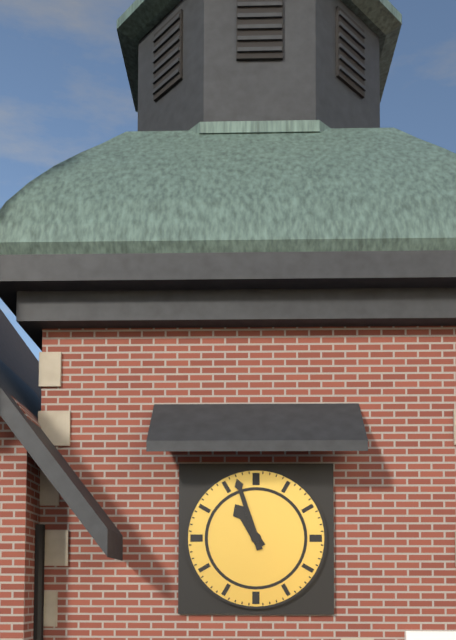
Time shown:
{"hour": 10, "minute": 57}
